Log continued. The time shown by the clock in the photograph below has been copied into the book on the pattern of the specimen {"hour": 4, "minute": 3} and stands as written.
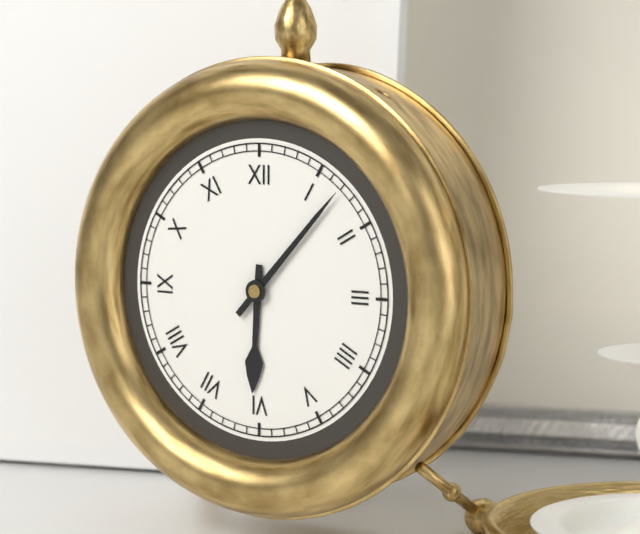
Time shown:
{"hour": 6, "minute": 7}
